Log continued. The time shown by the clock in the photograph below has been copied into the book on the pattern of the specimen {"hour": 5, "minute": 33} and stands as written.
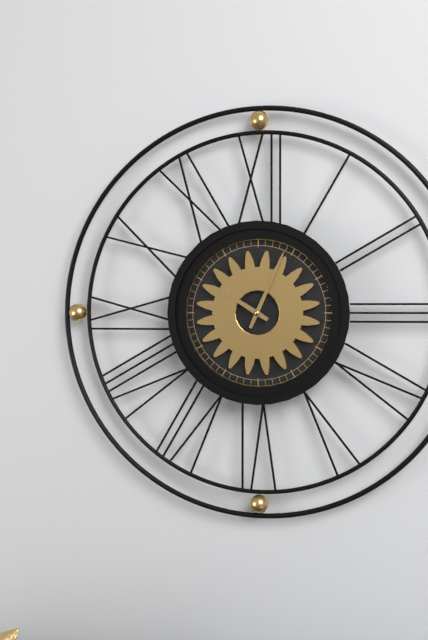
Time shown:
{"hour": 10, "minute": 4}
